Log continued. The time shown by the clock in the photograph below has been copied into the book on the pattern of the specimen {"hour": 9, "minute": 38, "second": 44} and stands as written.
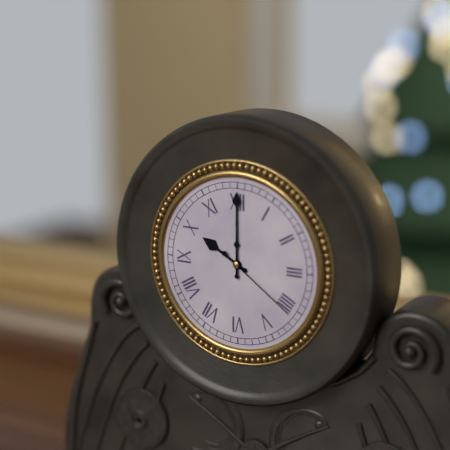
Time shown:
{"hour": 10, "minute": 0, "second": 21}
